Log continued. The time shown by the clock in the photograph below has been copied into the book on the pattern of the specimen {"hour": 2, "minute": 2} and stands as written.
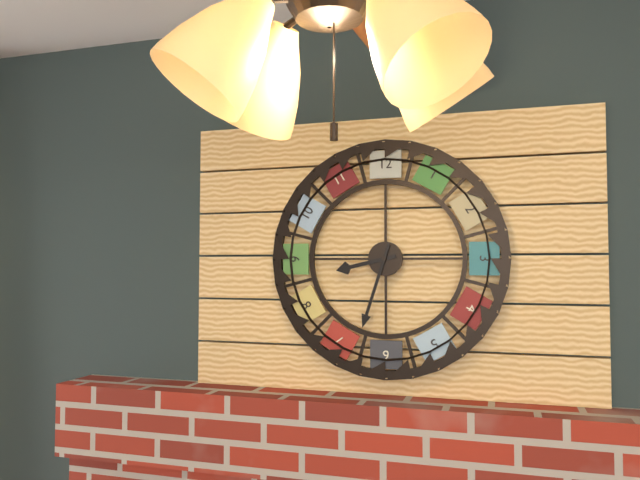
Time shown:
{"hour": 8, "minute": 33}
